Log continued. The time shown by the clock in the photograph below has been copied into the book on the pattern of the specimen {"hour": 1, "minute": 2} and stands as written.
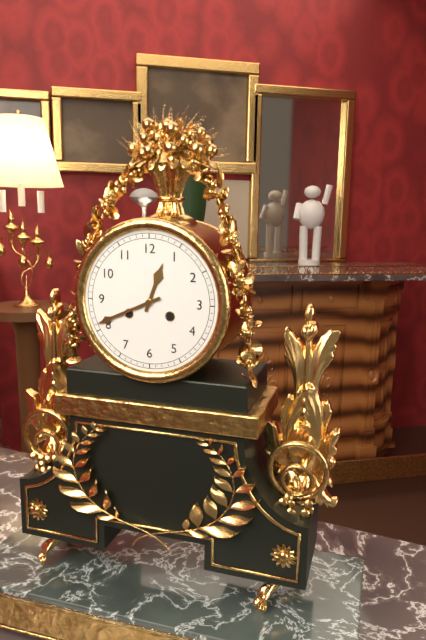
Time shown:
{"hour": 12, "minute": 41}
